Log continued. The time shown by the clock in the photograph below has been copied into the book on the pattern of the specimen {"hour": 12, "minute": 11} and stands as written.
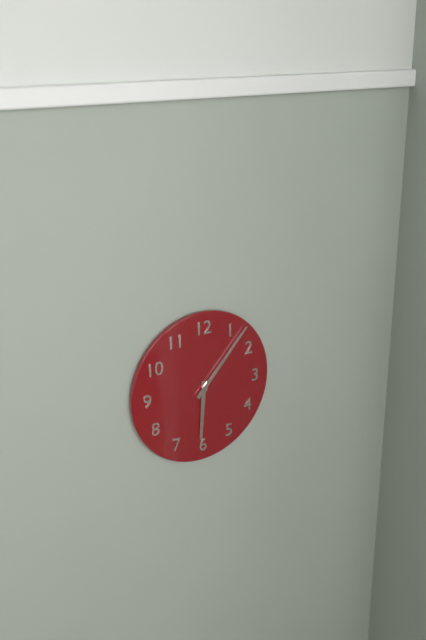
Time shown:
{"hour": 6, "minute": 7}
